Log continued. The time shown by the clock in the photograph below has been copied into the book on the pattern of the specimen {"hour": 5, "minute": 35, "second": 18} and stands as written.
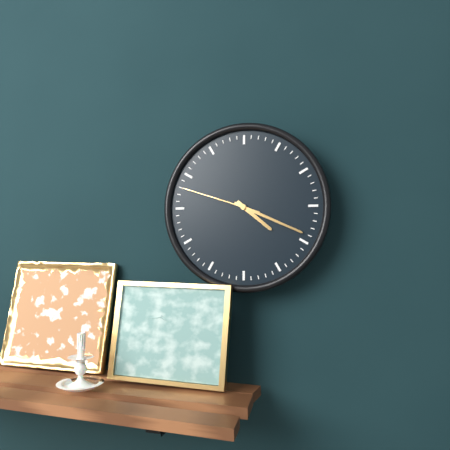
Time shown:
{"hour": 4, "minute": 19, "second": 48}
